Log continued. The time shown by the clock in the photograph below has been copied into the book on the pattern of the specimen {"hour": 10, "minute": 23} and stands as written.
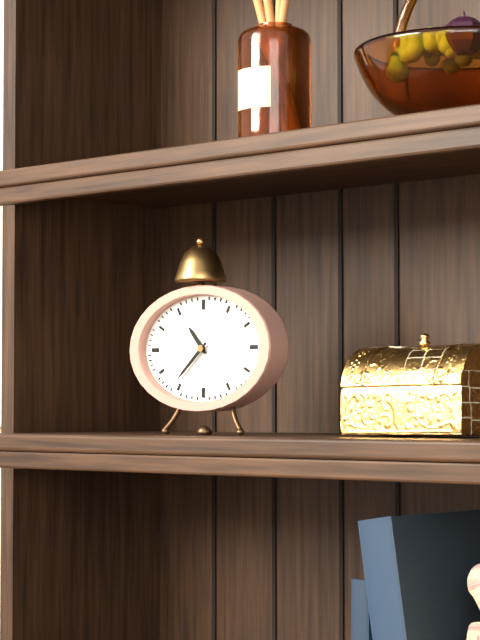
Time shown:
{"hour": 10, "minute": 38}
